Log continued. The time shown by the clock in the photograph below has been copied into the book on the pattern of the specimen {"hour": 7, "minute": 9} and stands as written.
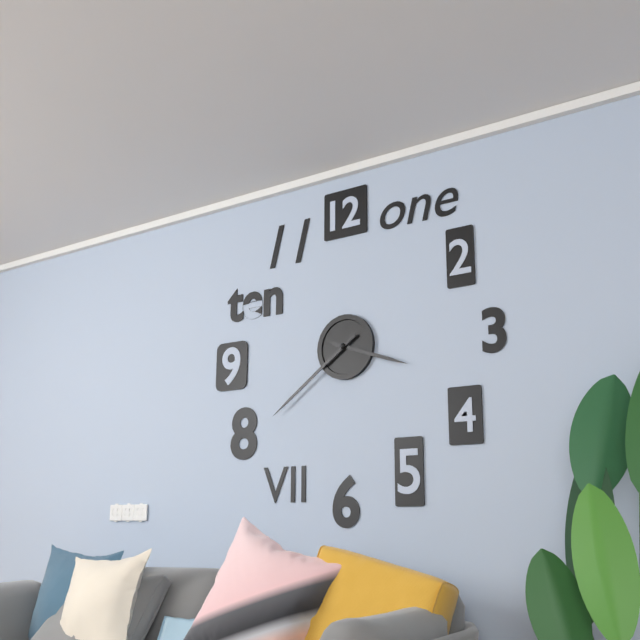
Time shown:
{"hour": 3, "minute": 39}
